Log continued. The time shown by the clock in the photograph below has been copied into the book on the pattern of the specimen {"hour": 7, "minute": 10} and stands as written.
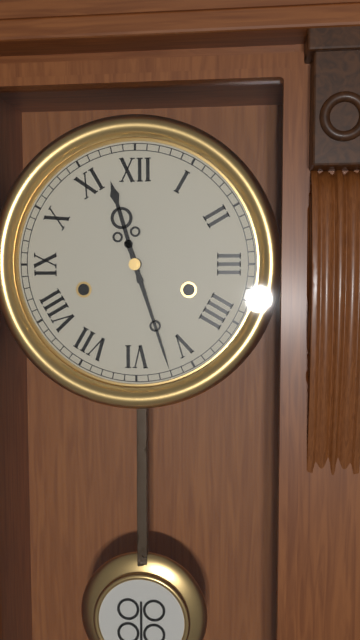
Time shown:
{"hour": 11, "minute": 27}
